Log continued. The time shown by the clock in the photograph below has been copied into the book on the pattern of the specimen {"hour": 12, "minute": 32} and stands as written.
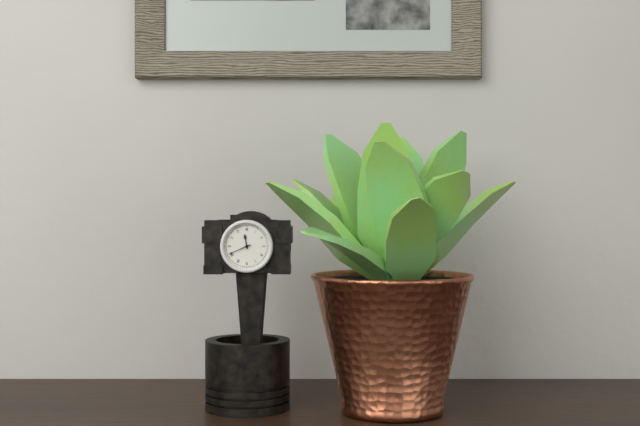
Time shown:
{"hour": 11, "minute": 41}
